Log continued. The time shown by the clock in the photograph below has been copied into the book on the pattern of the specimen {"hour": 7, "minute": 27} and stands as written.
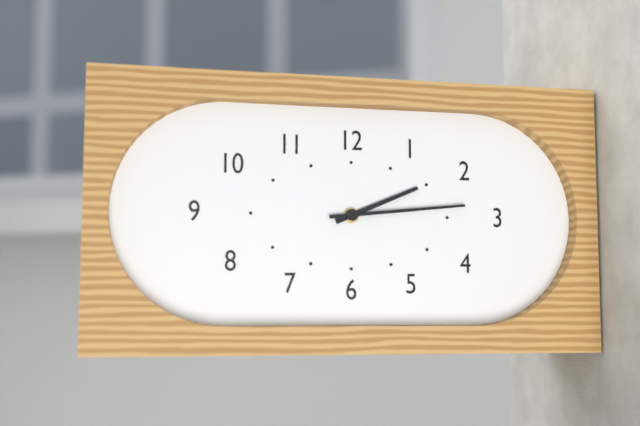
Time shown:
{"hour": 2, "minute": 14}
